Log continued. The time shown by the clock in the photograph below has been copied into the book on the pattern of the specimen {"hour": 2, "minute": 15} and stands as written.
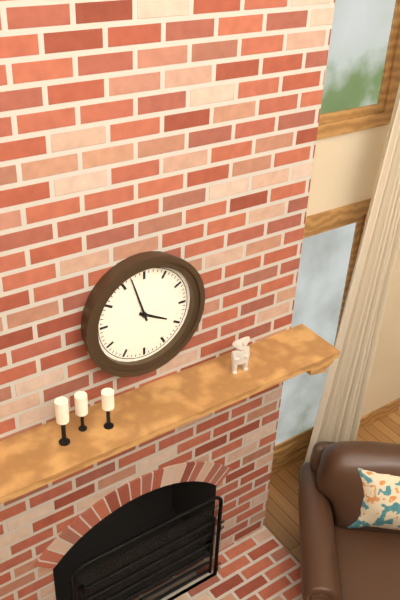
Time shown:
{"hour": 3, "minute": 57}
